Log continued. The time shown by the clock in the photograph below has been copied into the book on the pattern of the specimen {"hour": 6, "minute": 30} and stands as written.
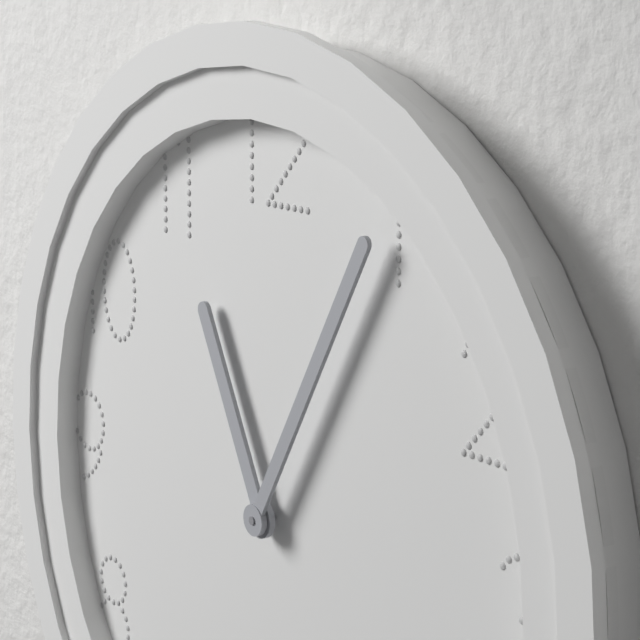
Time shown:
{"hour": 11, "minute": 5}
